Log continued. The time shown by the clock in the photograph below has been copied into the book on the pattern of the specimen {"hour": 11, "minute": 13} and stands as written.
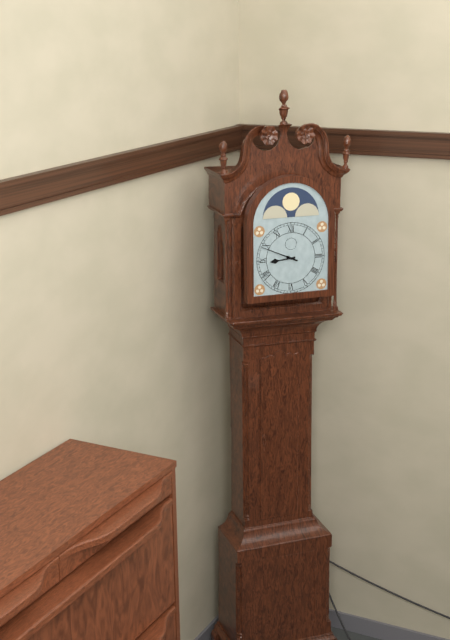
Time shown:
{"hour": 8, "minute": 49}
